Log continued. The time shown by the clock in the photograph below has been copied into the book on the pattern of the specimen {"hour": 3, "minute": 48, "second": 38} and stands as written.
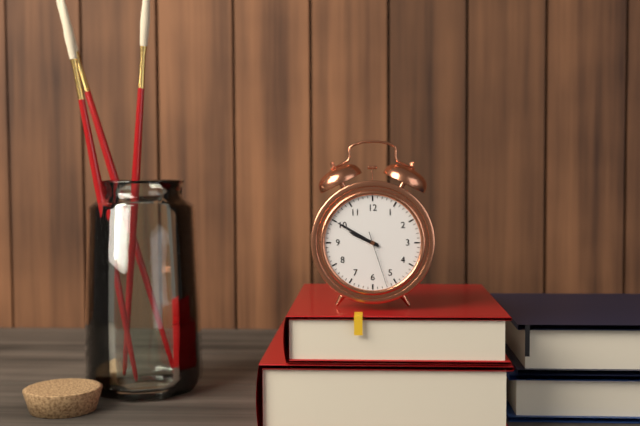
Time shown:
{"hour": 9, "minute": 50, "second": 27}
